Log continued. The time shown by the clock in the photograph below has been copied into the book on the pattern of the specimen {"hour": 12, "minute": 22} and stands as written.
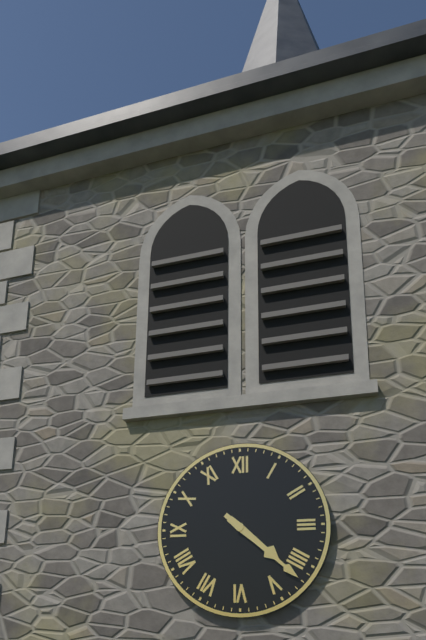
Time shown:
{"hour": 4, "minute": 22}
